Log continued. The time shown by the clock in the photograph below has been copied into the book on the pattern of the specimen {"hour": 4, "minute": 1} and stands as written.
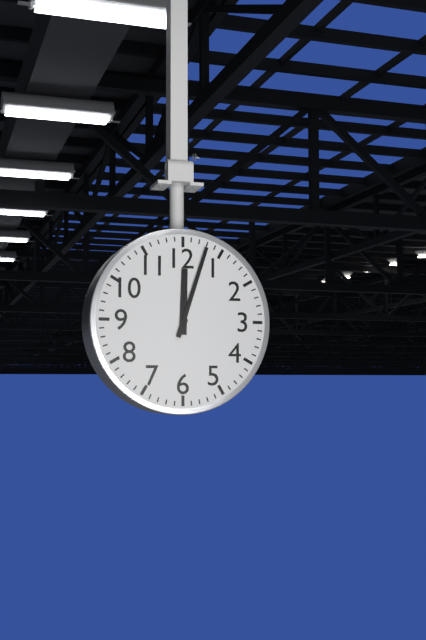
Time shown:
{"hour": 12, "minute": 3}
